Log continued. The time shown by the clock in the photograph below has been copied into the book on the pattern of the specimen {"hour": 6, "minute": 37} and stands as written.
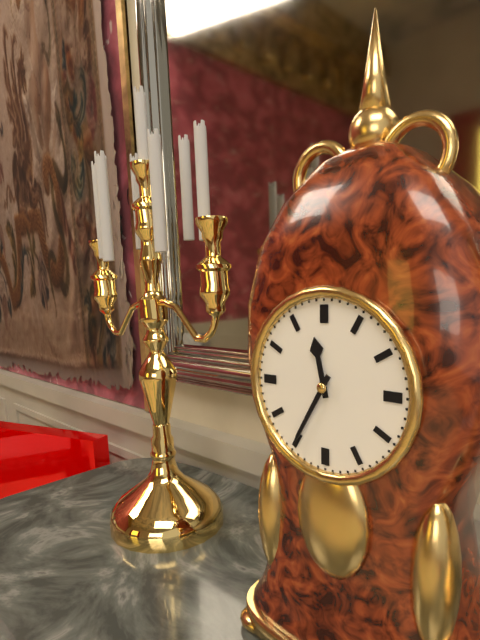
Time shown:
{"hour": 11, "minute": 35}
